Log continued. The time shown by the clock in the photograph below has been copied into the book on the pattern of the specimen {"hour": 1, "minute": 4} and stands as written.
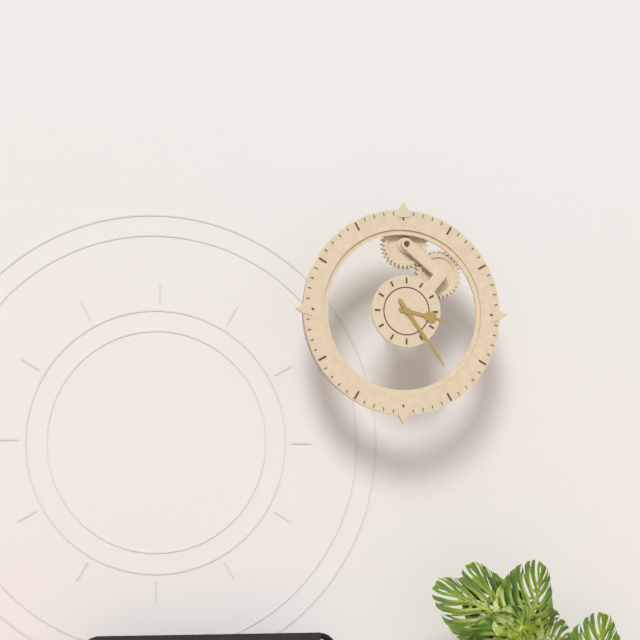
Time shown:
{"hour": 3, "minute": 24}
